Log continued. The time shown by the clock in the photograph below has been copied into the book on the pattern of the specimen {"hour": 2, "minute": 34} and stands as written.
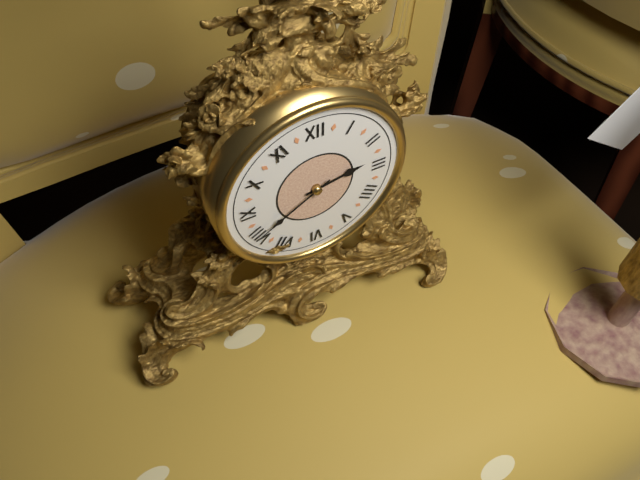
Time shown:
{"hour": 2, "minute": 40}
